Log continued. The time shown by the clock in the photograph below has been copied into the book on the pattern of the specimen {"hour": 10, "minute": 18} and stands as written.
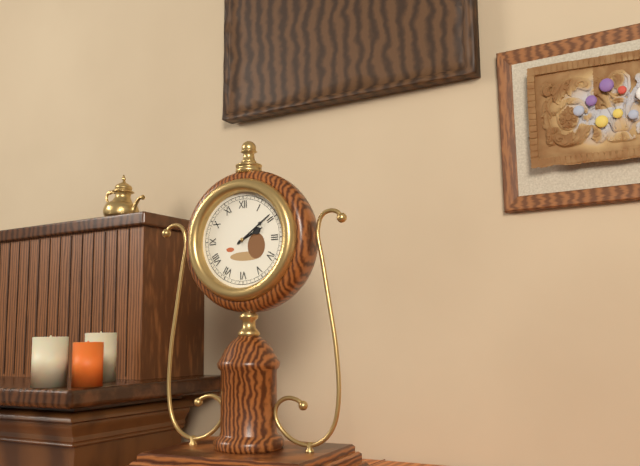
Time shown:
{"hour": 2, "minute": 9}
